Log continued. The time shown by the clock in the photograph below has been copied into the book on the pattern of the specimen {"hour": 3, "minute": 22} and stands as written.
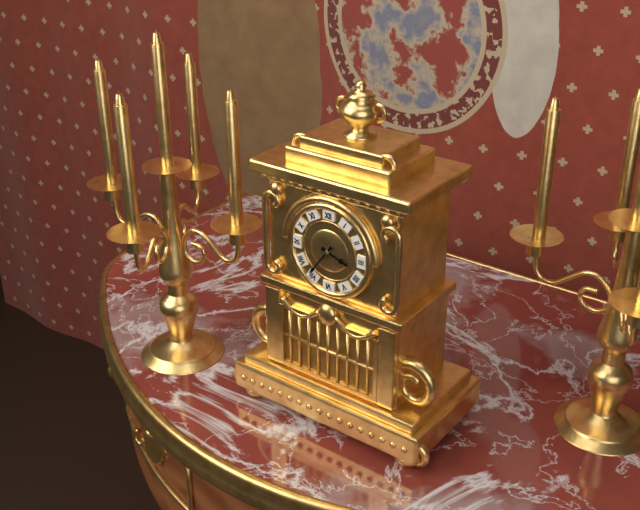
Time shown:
{"hour": 3, "minute": 36}
